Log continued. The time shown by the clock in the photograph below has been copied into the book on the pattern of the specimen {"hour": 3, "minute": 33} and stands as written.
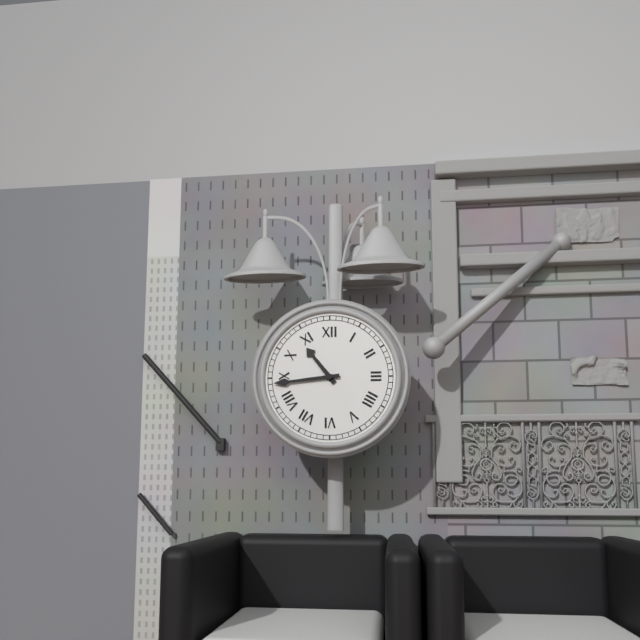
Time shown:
{"hour": 10, "minute": 44}
